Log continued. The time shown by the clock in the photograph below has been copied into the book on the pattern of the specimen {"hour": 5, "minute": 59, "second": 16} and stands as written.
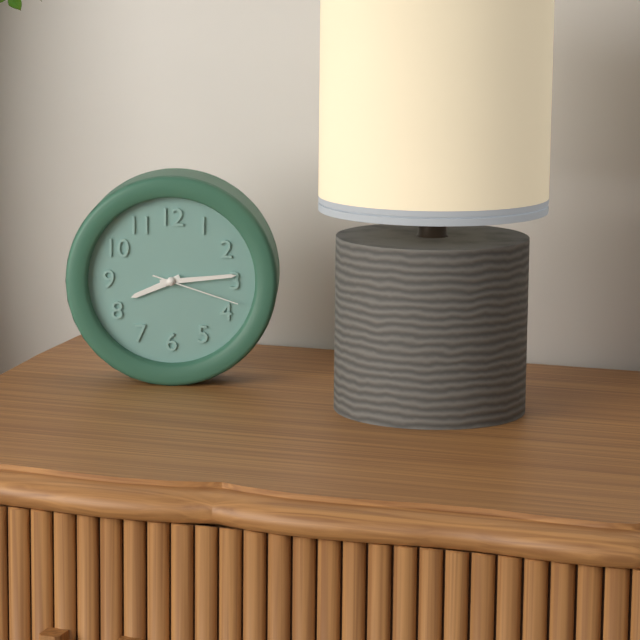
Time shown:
{"hour": 8, "minute": 14, "second": 18}
